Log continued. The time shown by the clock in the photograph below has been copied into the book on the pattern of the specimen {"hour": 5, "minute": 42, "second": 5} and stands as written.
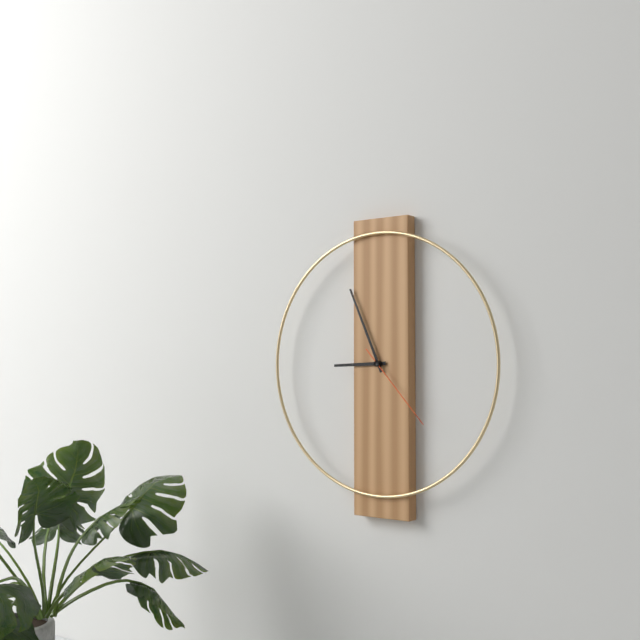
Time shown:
{"hour": 8, "minute": 56, "second": 23}
